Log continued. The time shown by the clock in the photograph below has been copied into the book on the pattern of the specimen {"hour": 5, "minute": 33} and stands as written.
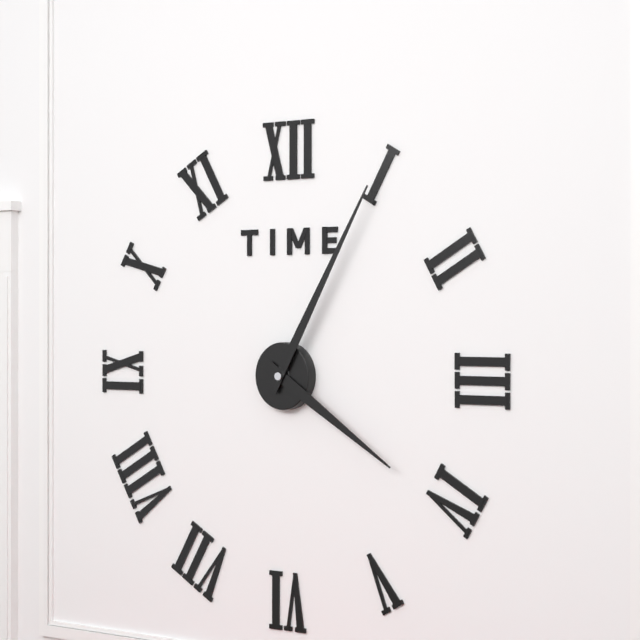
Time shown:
{"hour": 4, "minute": 5}
